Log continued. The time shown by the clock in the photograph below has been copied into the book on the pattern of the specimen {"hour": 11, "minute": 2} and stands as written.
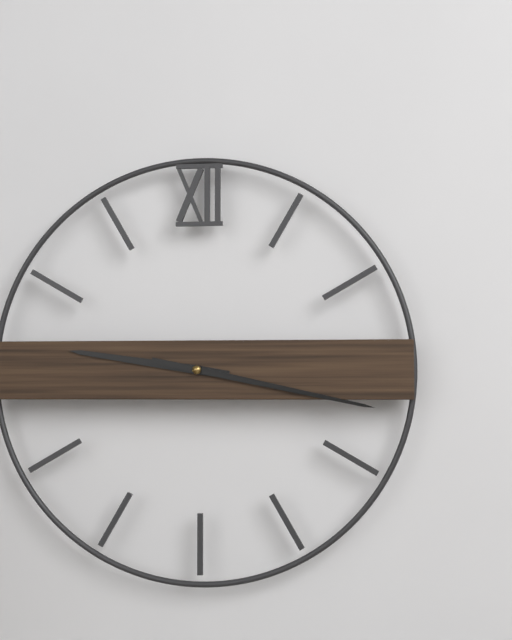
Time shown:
{"hour": 9, "minute": 17}
